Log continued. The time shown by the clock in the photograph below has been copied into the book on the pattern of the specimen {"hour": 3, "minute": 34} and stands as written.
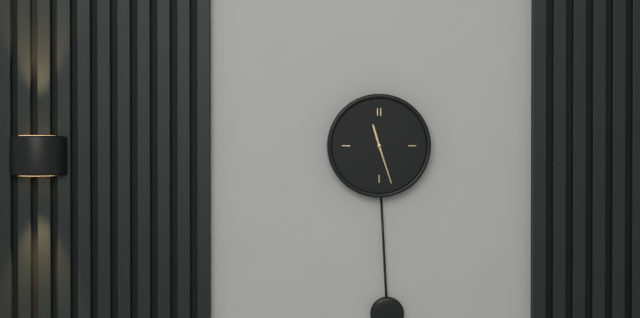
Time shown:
{"hour": 11, "minute": 27}
